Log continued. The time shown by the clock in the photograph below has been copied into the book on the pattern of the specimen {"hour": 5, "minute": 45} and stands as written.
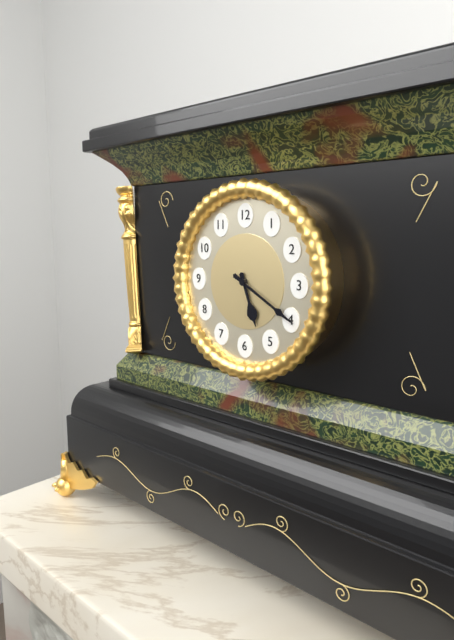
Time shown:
{"hour": 5, "minute": 20}
